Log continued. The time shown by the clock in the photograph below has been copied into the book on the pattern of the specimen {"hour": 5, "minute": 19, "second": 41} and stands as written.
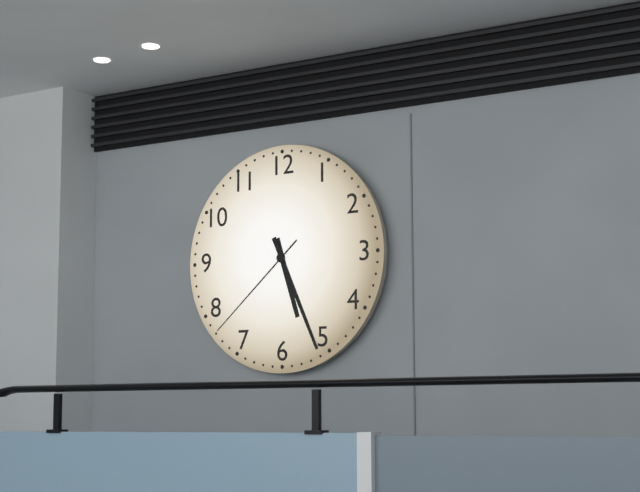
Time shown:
{"hour": 5, "minute": 26, "second": 38}
